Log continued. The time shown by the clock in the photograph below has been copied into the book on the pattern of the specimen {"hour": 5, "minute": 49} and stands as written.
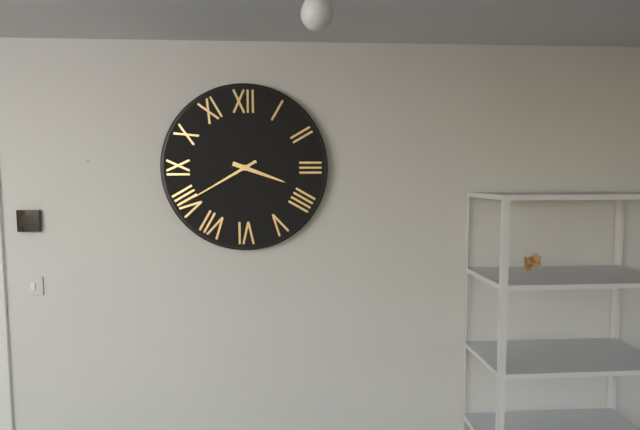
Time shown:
{"hour": 3, "minute": 40}
